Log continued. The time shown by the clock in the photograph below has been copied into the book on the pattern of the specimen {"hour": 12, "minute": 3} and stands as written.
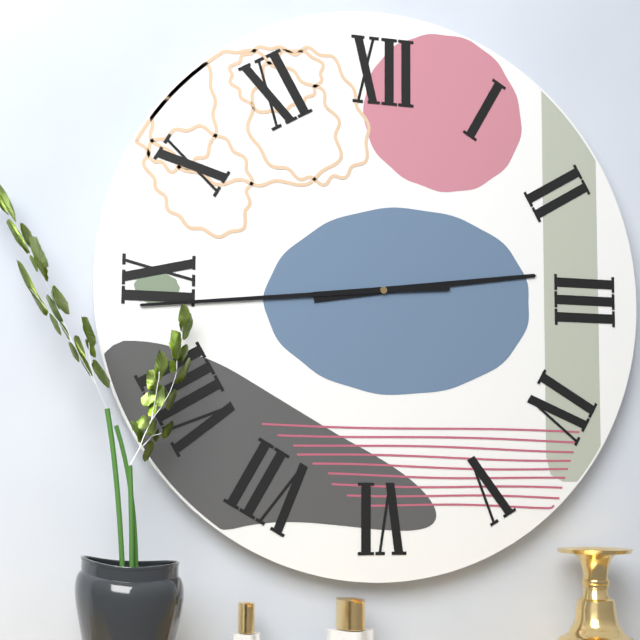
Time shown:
{"hour": 2, "minute": 44}
